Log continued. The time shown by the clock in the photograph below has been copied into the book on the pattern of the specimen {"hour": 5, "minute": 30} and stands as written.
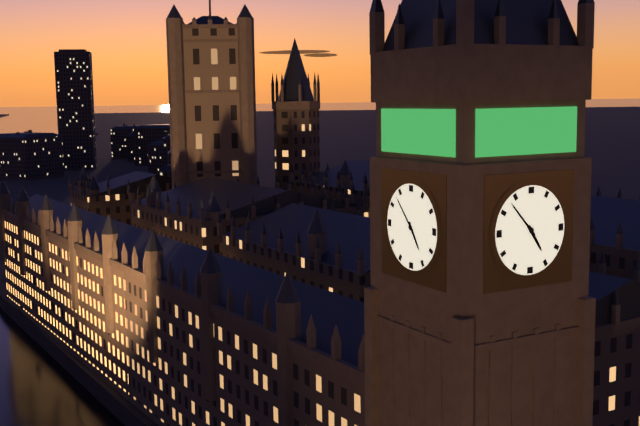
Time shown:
{"hour": 4, "minute": 53}
